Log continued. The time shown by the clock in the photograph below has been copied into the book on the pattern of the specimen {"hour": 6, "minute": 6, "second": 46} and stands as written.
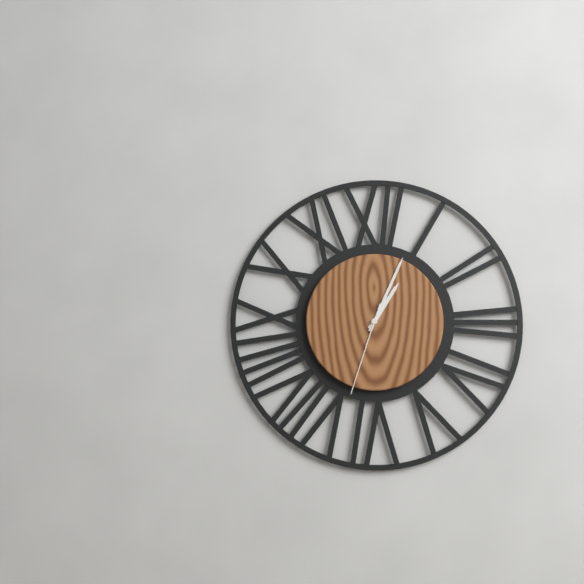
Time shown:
{"hour": 1, "minute": 4, "second": 33}
